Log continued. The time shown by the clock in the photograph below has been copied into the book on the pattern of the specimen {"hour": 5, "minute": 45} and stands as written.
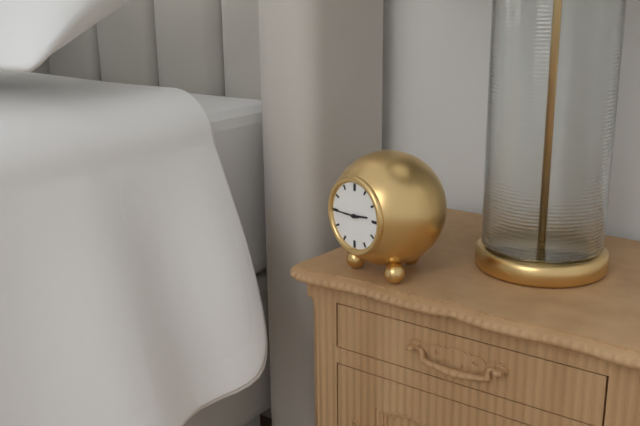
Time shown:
{"hour": 2, "minute": 45}
